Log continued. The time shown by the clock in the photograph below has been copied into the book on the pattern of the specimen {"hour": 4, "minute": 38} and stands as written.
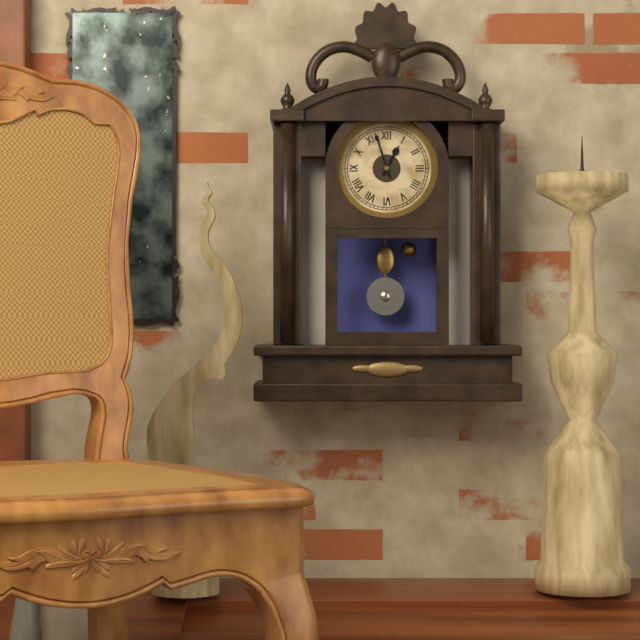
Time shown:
{"hour": 12, "minute": 57}
